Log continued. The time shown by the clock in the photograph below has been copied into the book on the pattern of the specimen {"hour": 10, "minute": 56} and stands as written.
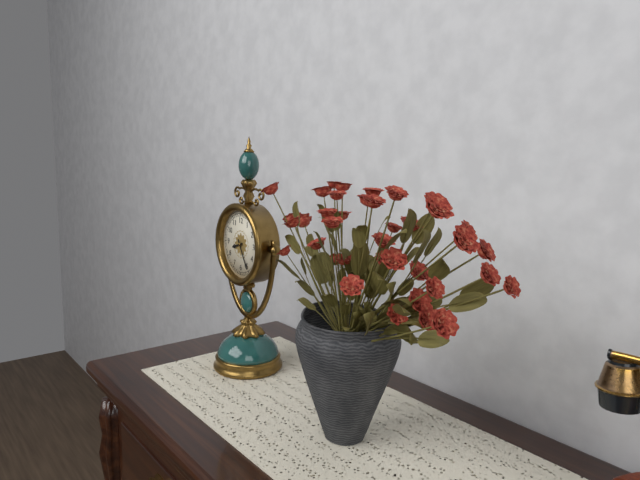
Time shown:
{"hour": 8, "minute": 25}
